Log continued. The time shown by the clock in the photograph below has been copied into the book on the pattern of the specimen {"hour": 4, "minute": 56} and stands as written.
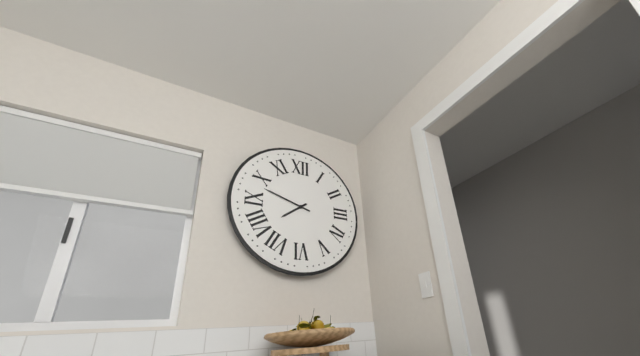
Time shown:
{"hour": 7, "minute": 48}
